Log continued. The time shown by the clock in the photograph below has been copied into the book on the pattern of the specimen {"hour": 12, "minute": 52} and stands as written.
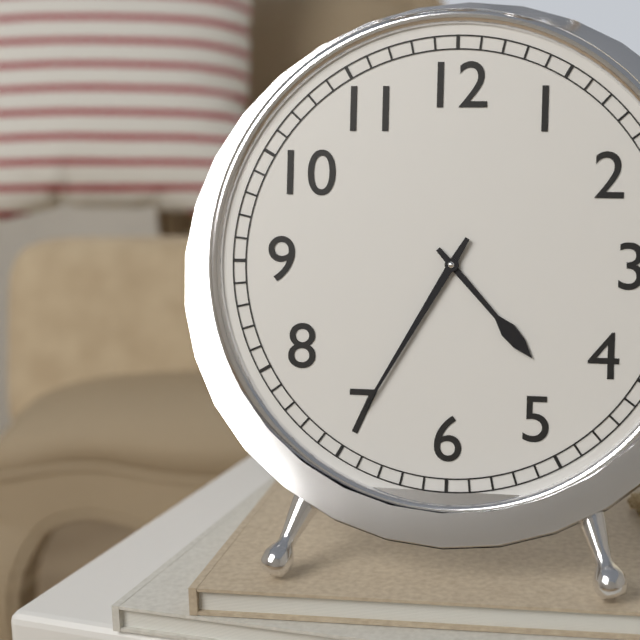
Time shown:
{"hour": 4, "minute": 35}
